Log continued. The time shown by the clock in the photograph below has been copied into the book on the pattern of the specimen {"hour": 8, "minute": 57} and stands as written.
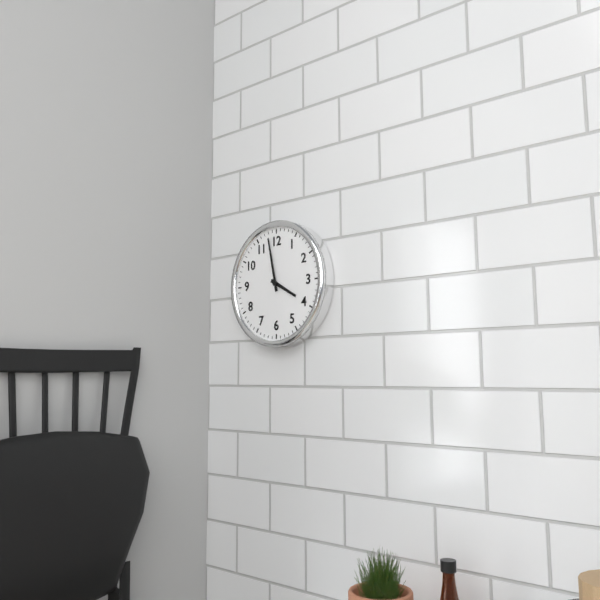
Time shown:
{"hour": 3, "minute": 58}
